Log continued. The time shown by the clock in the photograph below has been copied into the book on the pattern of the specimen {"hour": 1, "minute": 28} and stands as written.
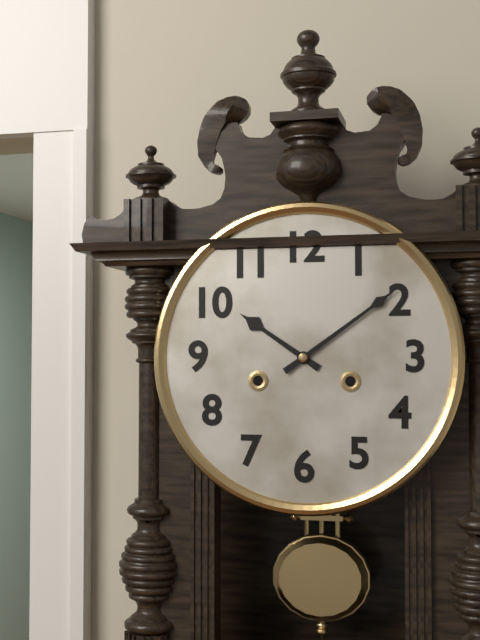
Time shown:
{"hour": 10, "minute": 9}
